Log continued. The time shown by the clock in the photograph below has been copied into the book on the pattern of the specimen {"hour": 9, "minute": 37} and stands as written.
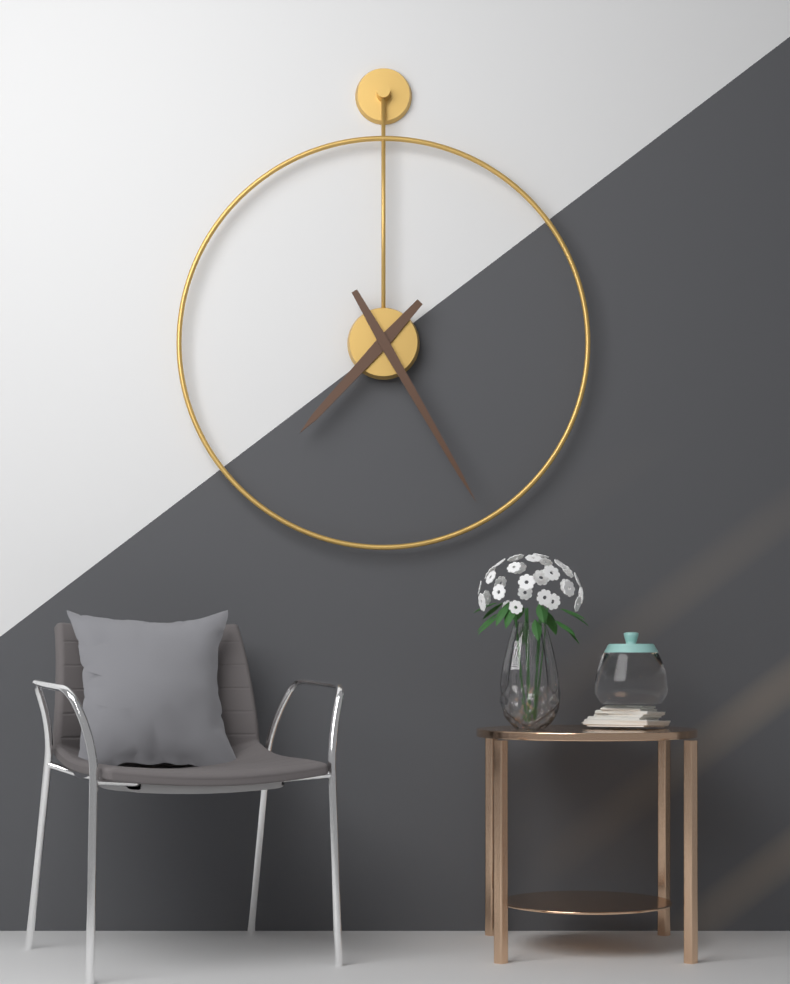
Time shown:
{"hour": 7, "minute": 25}
